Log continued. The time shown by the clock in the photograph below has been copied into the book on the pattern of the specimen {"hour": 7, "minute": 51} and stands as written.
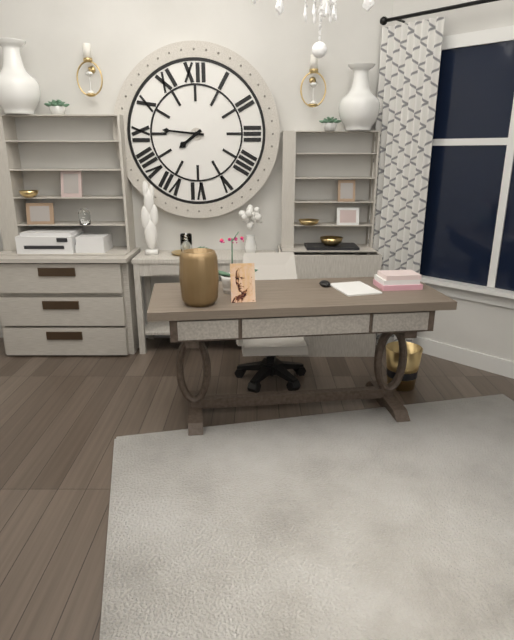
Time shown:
{"hour": 7, "minute": 46}
